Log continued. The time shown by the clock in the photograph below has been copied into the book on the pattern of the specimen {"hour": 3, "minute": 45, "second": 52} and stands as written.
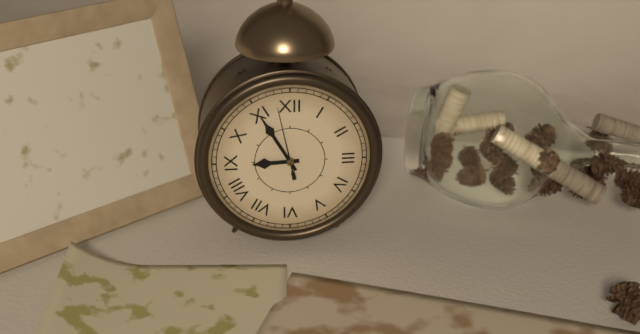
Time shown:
{"hour": 8, "minute": 55, "second": 58}
